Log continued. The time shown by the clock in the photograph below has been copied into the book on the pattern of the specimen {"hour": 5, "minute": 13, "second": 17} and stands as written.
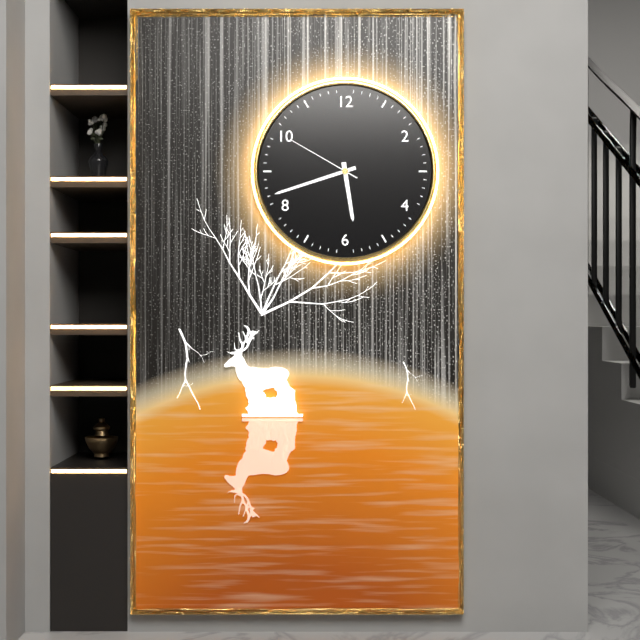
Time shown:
{"hour": 5, "minute": 42, "second": 50}
